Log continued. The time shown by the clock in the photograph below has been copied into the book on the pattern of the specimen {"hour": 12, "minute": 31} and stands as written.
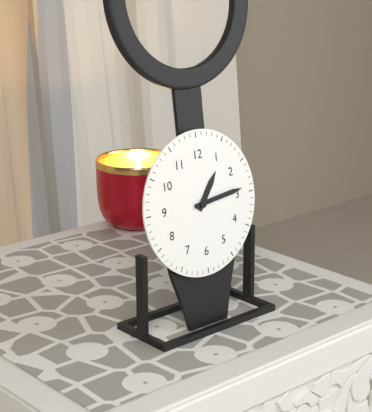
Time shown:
{"hour": 1, "minute": 14}
